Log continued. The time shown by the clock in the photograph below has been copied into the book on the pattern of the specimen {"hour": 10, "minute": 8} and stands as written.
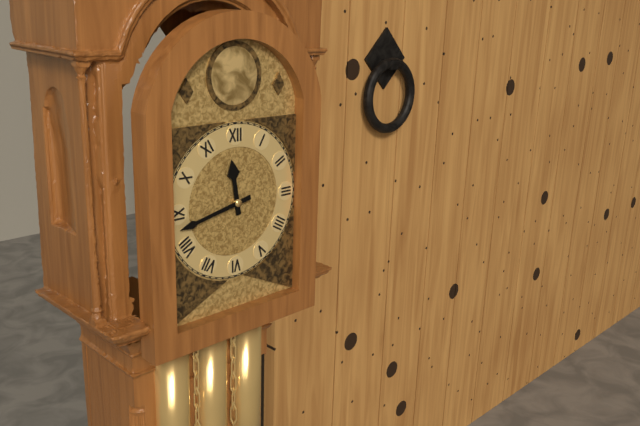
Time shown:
{"hour": 11, "minute": 43}
